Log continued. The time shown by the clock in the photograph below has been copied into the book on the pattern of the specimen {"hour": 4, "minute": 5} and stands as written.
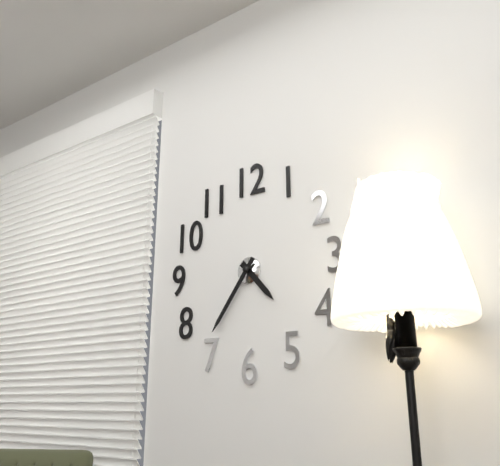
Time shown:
{"hour": 4, "minute": 36}
